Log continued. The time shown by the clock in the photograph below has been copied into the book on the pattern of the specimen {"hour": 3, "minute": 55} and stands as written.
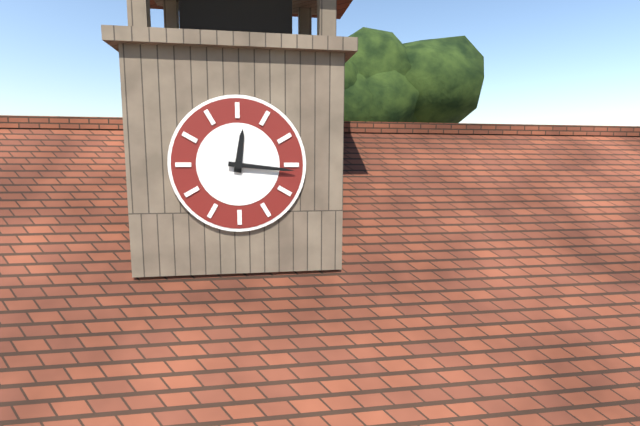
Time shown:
{"hour": 12, "minute": 16}
